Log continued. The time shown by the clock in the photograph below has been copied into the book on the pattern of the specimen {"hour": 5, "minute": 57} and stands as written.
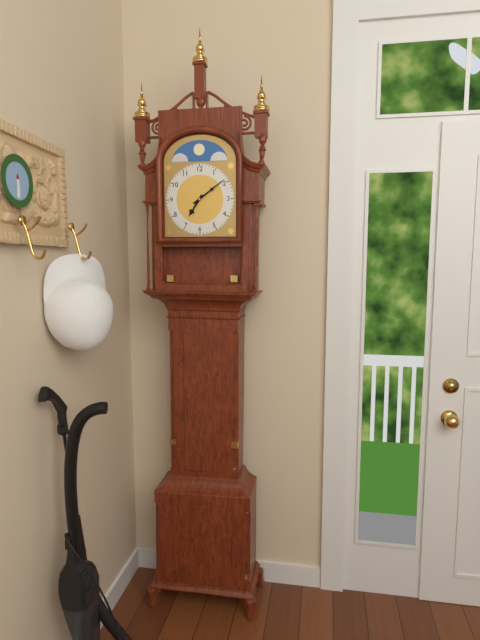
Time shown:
{"hour": 7, "minute": 9}
